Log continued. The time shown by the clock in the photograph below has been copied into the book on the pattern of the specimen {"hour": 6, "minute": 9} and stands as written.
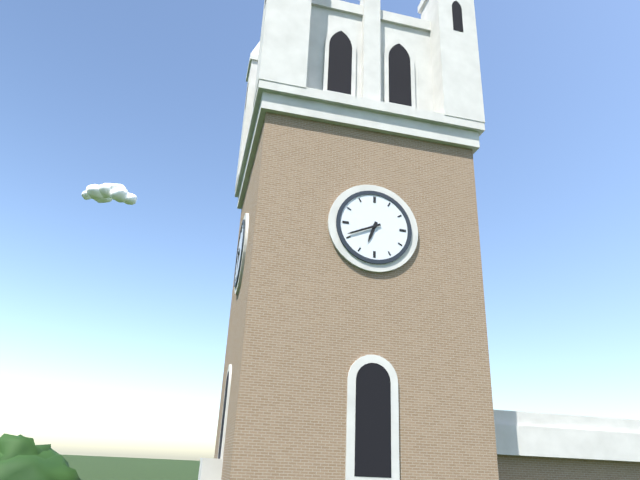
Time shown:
{"hour": 6, "minute": 41}
